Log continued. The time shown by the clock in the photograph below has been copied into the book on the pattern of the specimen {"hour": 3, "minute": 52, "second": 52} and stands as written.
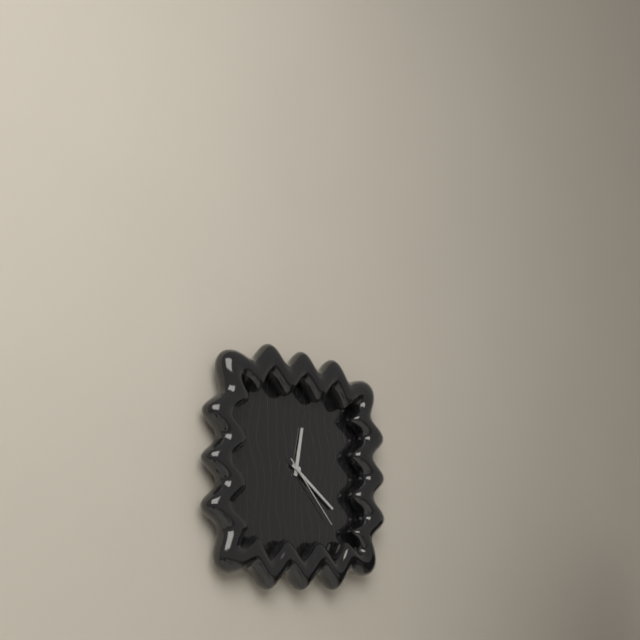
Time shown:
{"hour": 12, "minute": 21, "second": 23}
